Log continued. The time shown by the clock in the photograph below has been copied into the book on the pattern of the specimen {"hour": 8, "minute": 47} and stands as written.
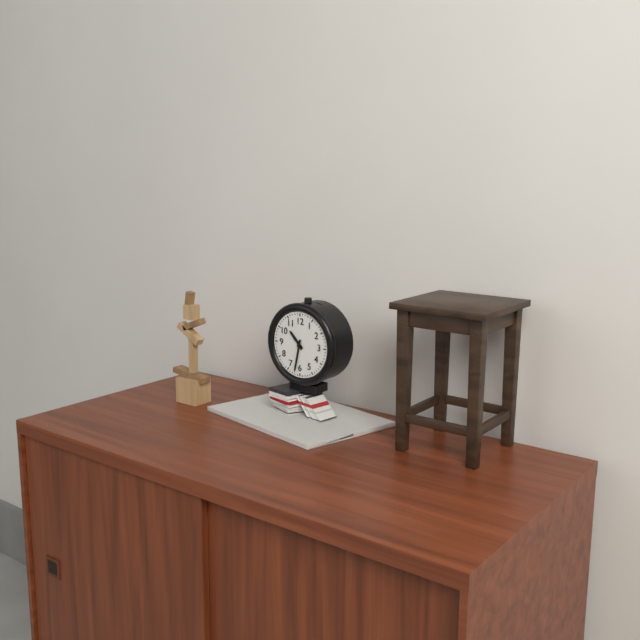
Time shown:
{"hour": 10, "minute": 32}
